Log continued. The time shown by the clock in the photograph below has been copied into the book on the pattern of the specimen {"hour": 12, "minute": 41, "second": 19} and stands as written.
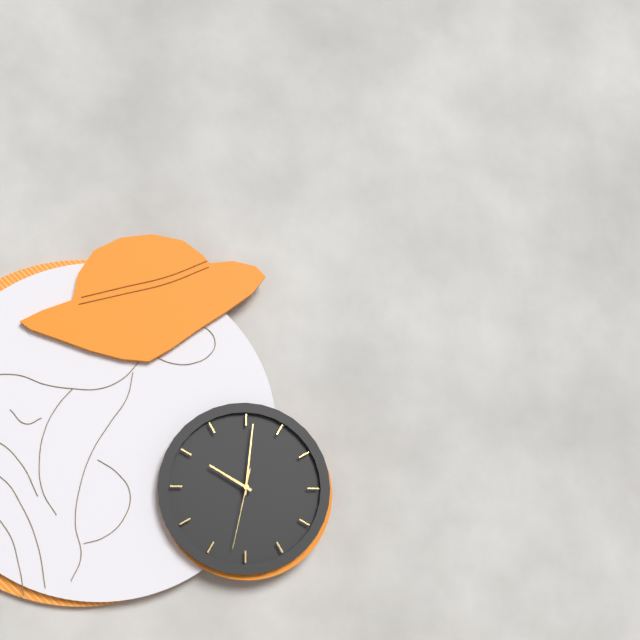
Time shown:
{"hour": 10, "minute": 1, "second": 32}
